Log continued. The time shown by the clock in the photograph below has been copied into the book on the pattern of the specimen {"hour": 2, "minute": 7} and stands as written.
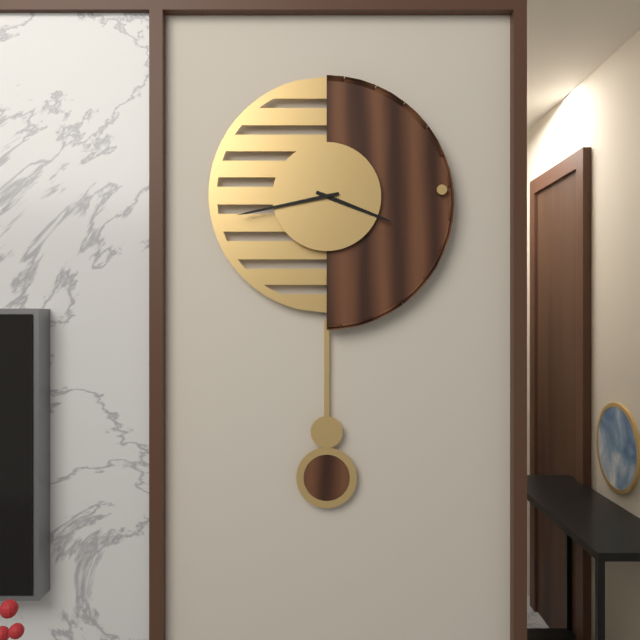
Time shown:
{"hour": 3, "minute": 43}
